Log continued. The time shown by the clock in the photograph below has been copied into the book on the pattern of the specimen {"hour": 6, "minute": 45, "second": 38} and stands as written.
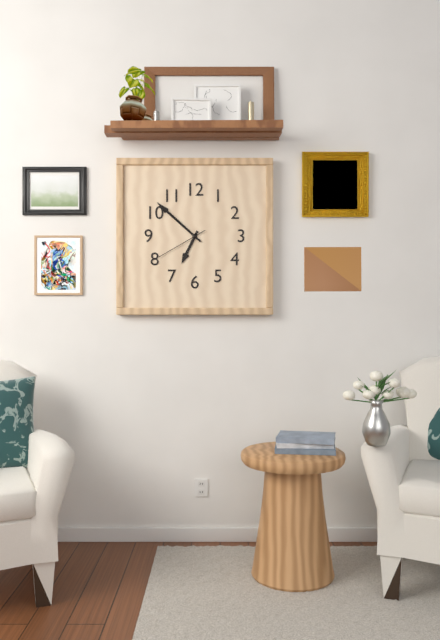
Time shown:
{"hour": 6, "minute": 52, "second": 40}
